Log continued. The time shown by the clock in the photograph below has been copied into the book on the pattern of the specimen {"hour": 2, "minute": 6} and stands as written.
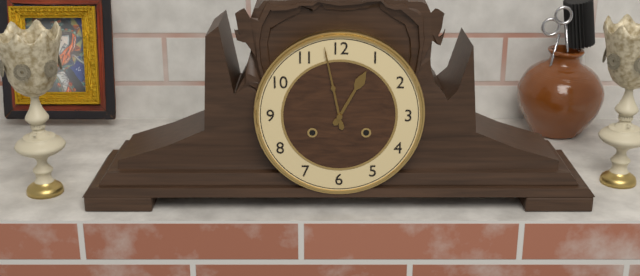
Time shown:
{"hour": 12, "minute": 58}
